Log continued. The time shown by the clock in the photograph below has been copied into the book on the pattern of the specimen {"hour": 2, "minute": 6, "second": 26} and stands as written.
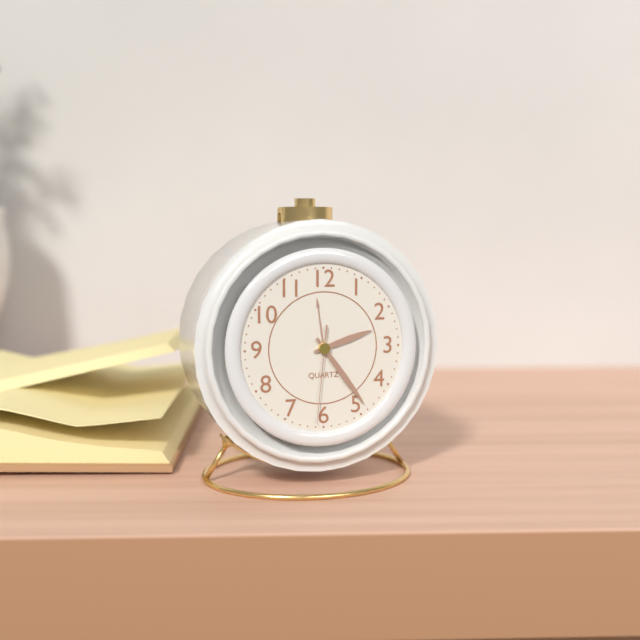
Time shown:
{"hour": 2, "minute": 24, "second": 31}
